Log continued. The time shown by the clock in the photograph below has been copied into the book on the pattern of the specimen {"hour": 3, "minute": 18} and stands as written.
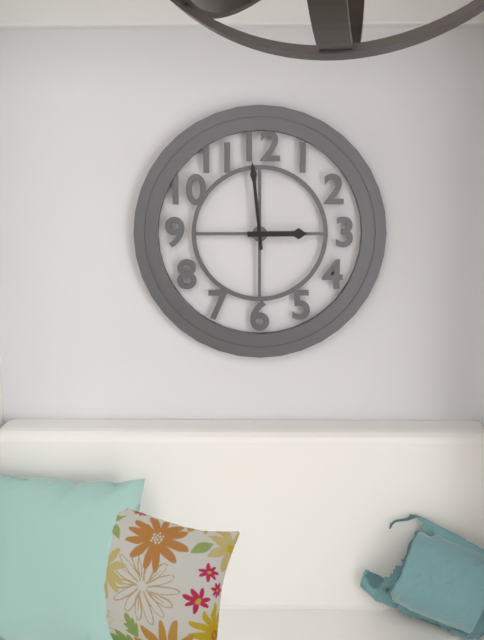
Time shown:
{"hour": 2, "minute": 59}
